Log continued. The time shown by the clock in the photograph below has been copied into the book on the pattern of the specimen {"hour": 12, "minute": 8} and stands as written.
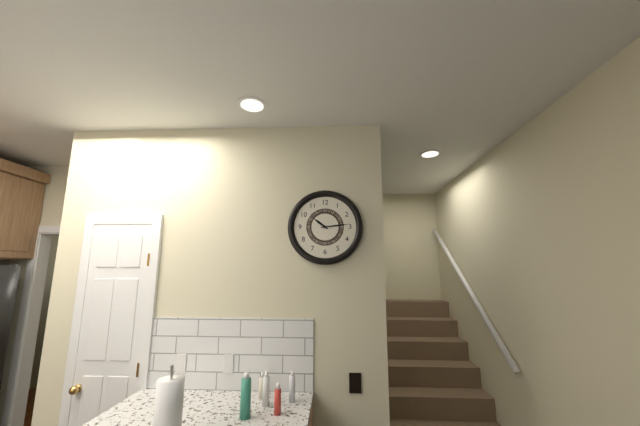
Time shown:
{"hour": 10, "minute": 14}
